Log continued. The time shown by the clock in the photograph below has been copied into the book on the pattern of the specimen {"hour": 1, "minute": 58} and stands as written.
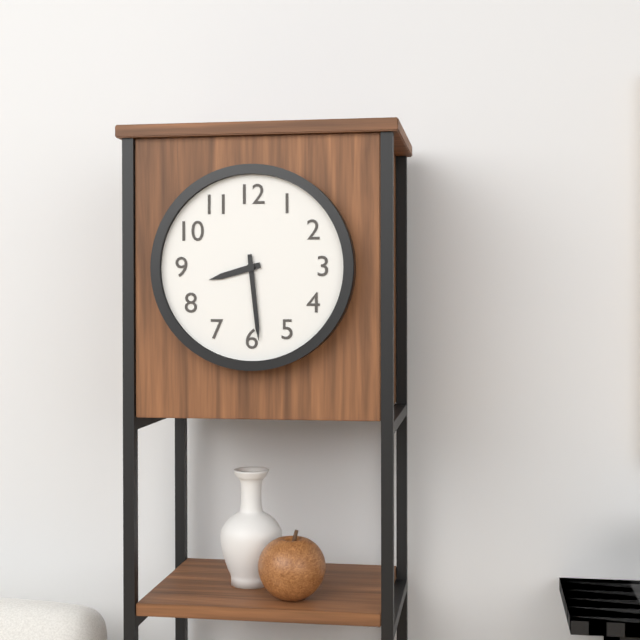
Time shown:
{"hour": 8, "minute": 29}
